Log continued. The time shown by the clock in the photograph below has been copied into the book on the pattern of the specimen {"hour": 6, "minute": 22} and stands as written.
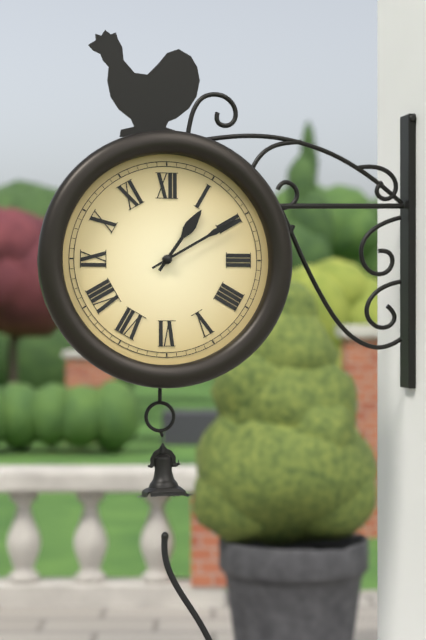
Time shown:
{"hour": 1, "minute": 10}
